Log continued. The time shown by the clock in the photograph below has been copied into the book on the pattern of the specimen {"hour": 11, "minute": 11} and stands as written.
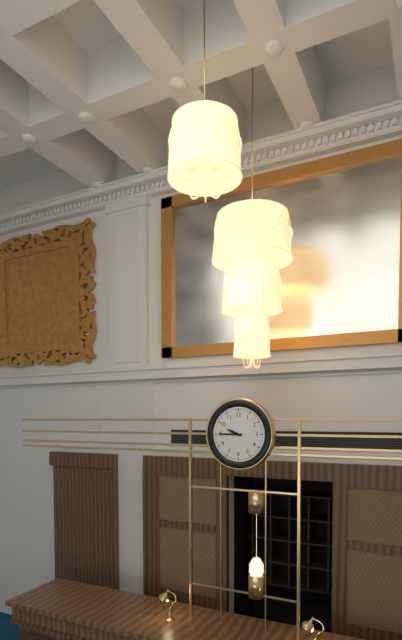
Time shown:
{"hour": 9, "minute": 45}
